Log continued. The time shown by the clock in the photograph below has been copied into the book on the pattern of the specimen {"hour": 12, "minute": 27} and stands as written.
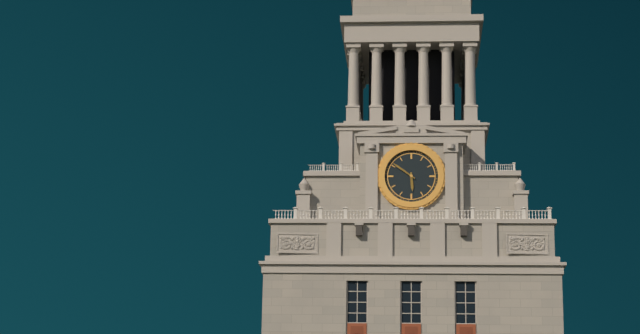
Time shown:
{"hour": 5, "minute": 51}
